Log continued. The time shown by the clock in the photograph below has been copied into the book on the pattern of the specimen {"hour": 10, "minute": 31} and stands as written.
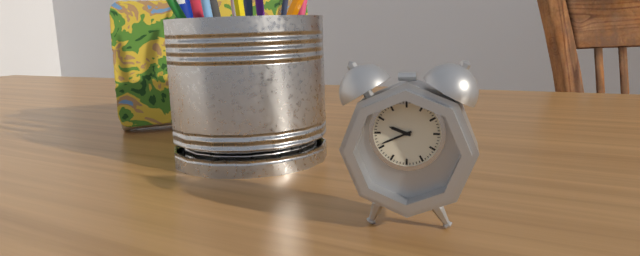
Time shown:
{"hour": 9, "minute": 41}
